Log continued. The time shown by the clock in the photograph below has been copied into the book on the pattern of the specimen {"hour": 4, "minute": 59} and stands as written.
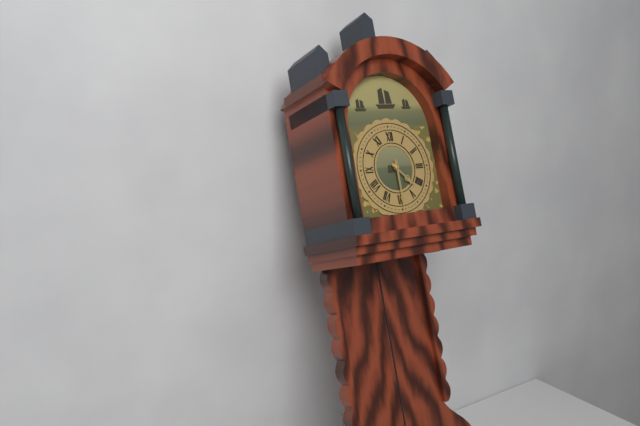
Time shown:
{"hour": 4, "minute": 30}
